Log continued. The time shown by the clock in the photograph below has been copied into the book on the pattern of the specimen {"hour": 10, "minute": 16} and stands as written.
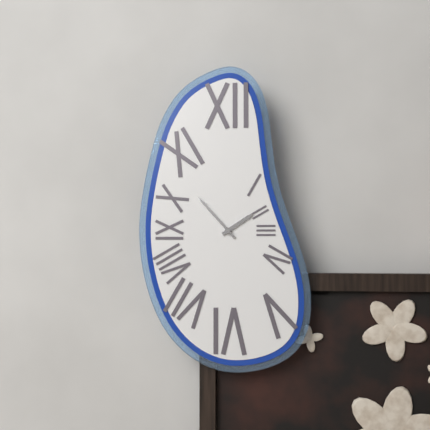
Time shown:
{"hour": 1, "minute": 53}
